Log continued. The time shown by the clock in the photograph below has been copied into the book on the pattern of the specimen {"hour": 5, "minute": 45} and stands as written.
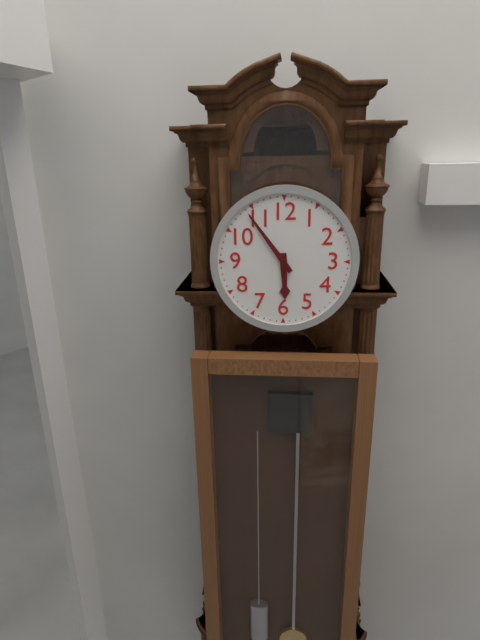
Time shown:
{"hour": 5, "minute": 54}
